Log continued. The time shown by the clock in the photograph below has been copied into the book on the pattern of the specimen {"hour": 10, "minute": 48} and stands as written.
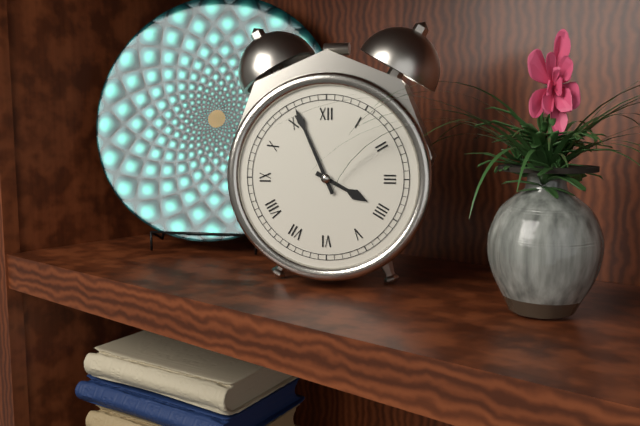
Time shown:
{"hour": 3, "minute": 56}
